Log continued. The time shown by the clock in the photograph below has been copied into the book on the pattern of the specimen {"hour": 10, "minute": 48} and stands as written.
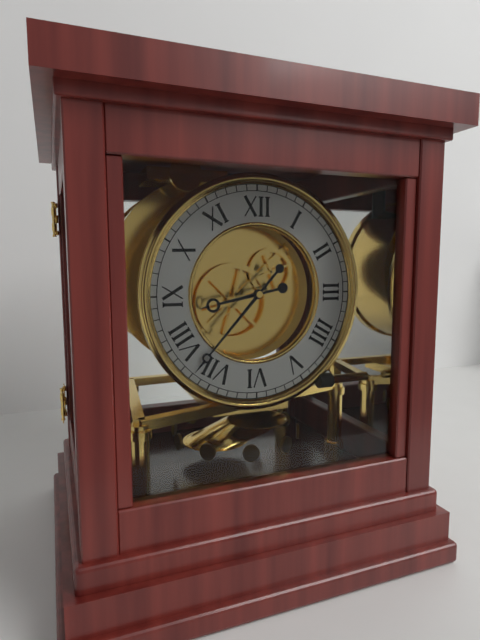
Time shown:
{"hour": 8, "minute": 37}
